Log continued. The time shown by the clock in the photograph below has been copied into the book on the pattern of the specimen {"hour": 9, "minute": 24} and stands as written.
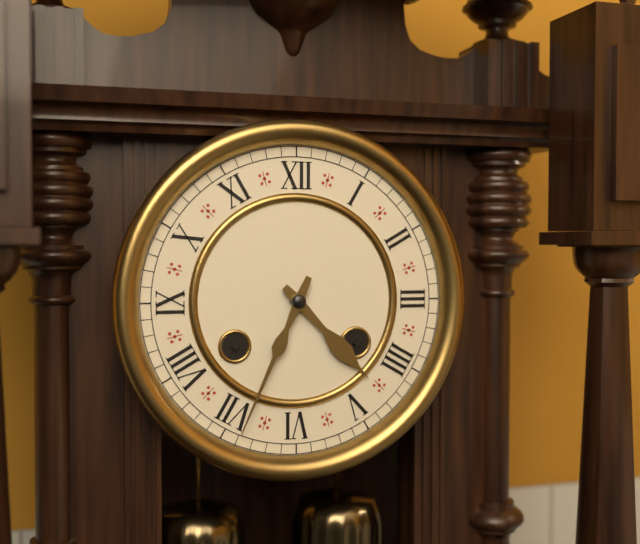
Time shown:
{"hour": 4, "minute": 34}
